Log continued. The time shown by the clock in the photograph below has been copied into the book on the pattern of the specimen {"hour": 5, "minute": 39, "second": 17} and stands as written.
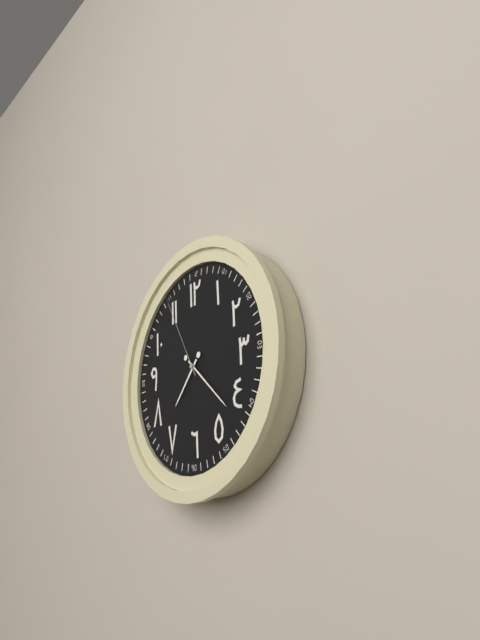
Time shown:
{"hour": 7, "minute": 22, "second": 55}
